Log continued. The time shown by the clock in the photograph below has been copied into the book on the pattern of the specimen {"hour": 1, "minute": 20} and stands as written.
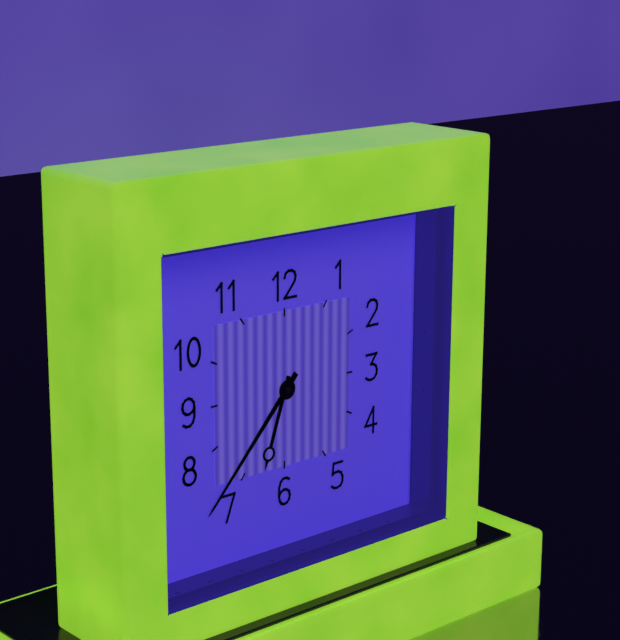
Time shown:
{"hour": 6, "minute": 37}
